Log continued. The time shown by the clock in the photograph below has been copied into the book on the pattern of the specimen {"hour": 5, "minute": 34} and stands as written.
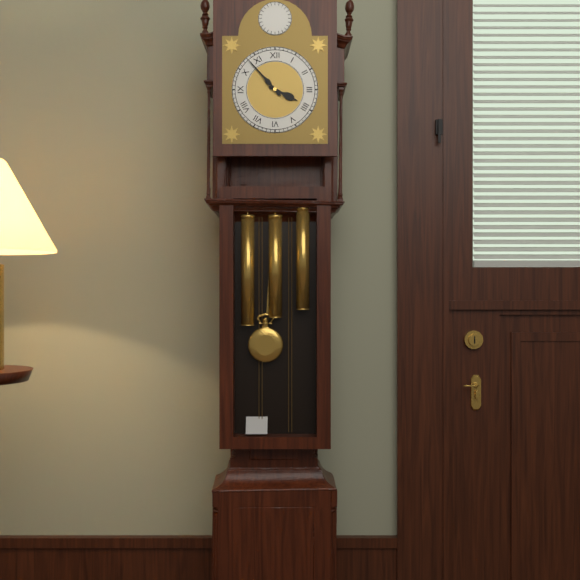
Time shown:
{"hour": 3, "minute": 53}
